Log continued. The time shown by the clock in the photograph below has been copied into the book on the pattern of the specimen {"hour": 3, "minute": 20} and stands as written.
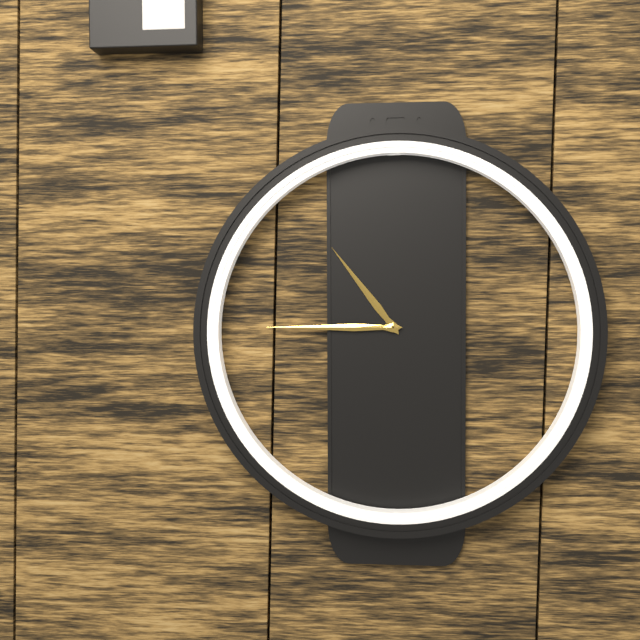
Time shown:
{"hour": 10, "minute": 45}
